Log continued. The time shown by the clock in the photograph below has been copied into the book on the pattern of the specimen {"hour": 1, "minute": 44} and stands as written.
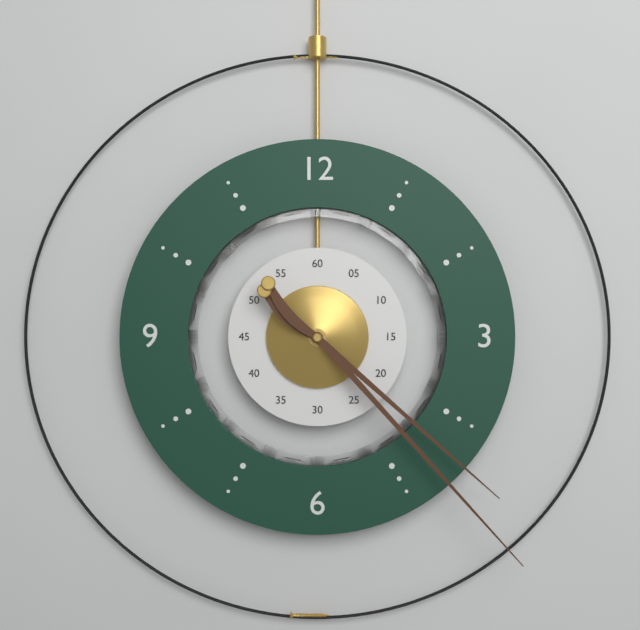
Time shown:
{"hour": 4, "minute": 23}
